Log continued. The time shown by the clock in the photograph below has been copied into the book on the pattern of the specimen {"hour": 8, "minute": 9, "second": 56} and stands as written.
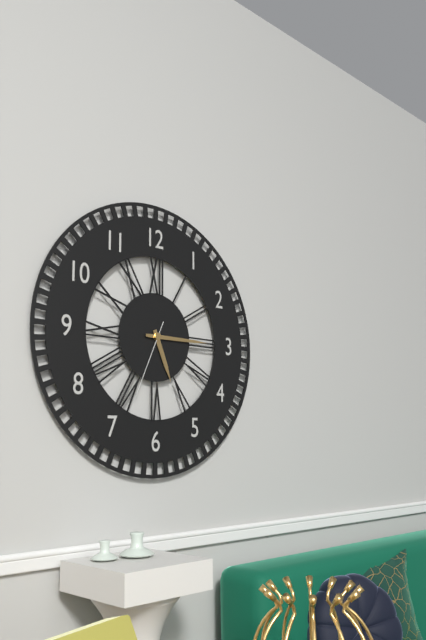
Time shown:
{"hour": 5, "minute": 15, "second": 34}
